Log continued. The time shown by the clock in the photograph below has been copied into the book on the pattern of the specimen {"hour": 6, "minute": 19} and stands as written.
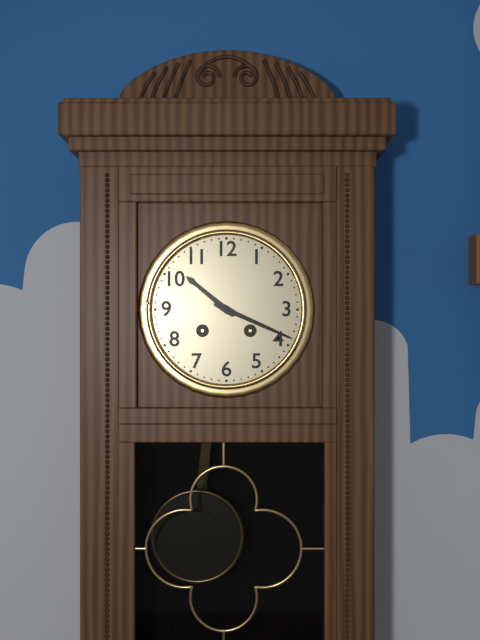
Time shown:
{"hour": 10, "minute": 19}
